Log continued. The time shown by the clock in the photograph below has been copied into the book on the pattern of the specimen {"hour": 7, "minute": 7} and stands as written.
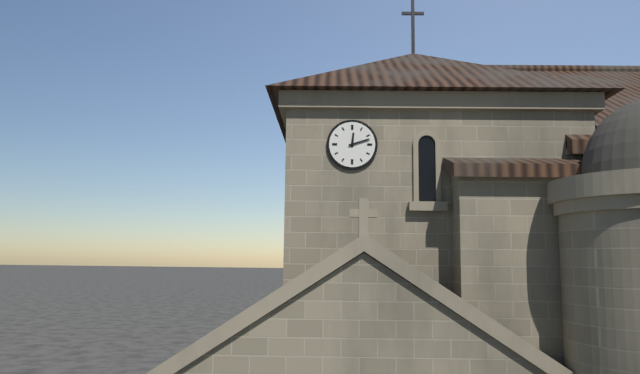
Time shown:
{"hour": 12, "minute": 12}
